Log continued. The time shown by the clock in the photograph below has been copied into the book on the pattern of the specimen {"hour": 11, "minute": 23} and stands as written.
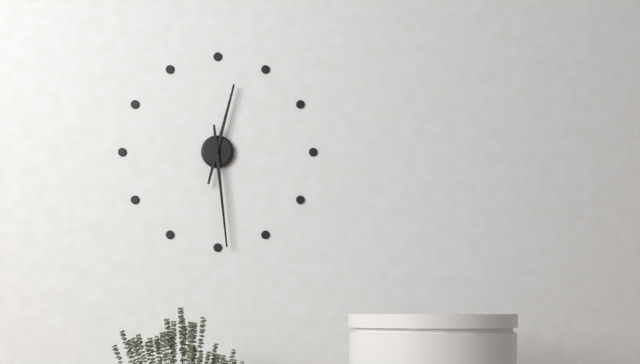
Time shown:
{"hour": 12, "minute": 29}
